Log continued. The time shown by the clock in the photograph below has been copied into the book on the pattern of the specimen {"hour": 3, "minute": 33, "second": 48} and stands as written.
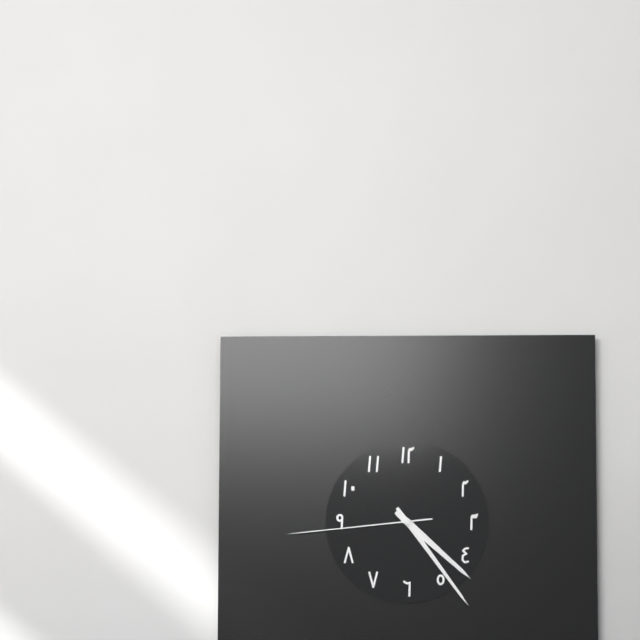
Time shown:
{"hour": 4, "minute": 24, "second": 44}
